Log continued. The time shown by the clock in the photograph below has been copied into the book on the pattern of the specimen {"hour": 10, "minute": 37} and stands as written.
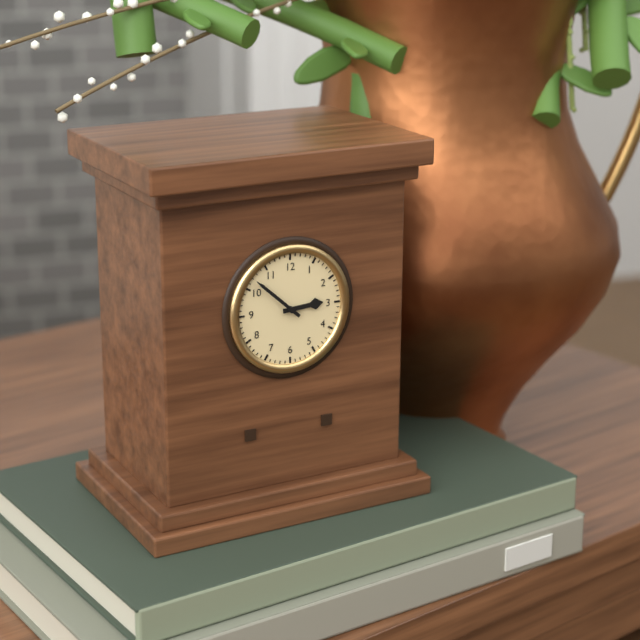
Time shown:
{"hour": 2, "minute": 52}
